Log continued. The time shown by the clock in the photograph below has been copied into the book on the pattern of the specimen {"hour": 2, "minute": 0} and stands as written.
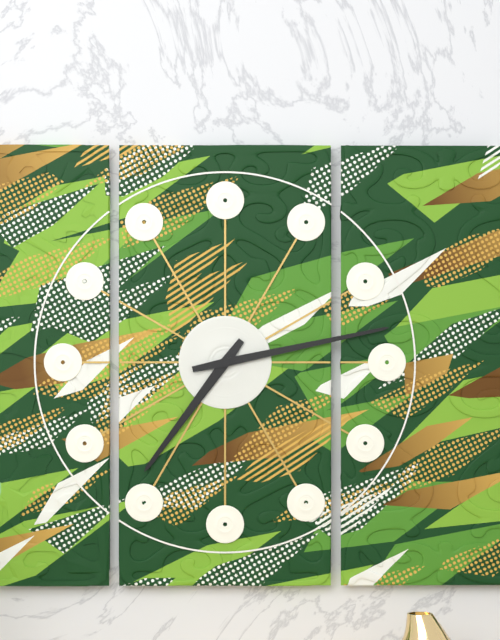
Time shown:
{"hour": 7, "minute": 13}
